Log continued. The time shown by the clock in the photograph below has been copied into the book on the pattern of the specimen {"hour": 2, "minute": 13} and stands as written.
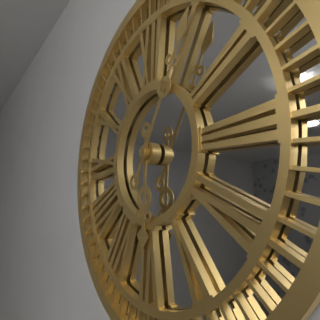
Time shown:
{"hour": 6, "minute": 5}
